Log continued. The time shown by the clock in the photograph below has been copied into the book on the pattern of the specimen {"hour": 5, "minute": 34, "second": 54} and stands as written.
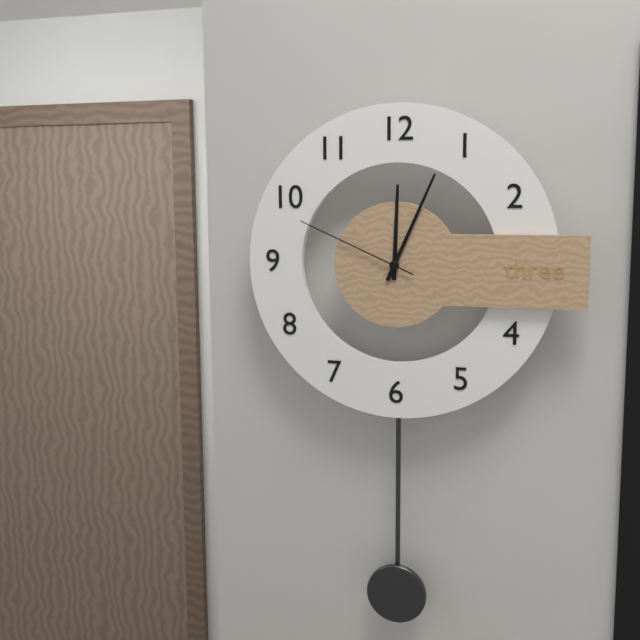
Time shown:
{"hour": 12, "minute": 4, "second": 49}
